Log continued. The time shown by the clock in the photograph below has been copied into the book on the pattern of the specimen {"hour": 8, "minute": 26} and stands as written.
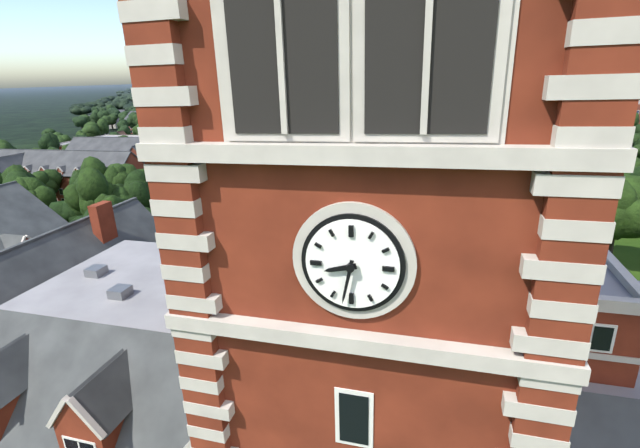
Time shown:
{"hour": 8, "minute": 32}
